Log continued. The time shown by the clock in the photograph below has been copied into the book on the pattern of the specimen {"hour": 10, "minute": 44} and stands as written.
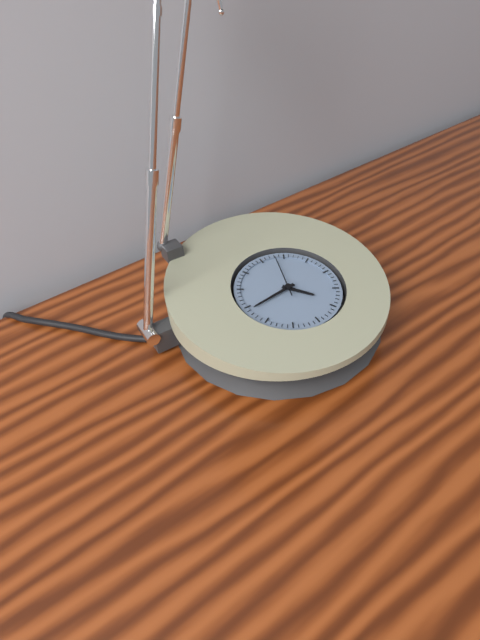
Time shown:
{"hour": 4, "minute": 44}
